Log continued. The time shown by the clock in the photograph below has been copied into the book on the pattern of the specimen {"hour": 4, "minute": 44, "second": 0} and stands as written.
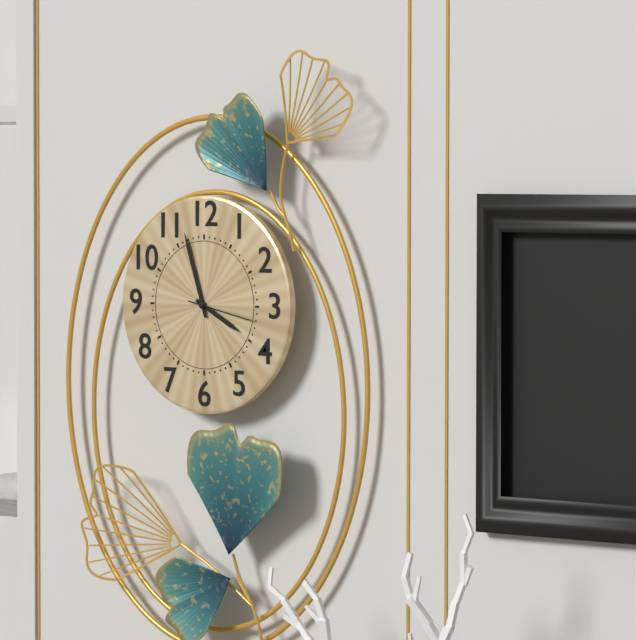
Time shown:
{"hour": 3, "minute": 57, "second": 17}
